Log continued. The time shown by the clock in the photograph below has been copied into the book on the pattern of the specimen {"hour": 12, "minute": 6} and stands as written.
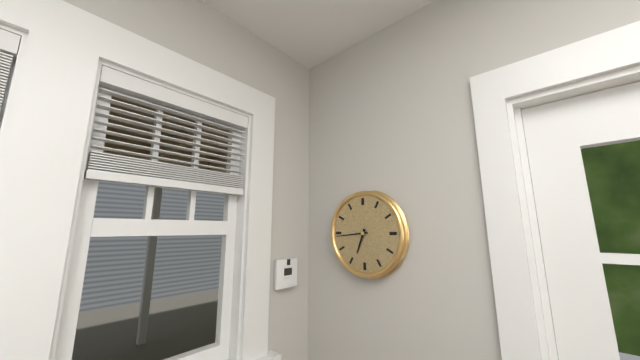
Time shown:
{"hour": 6, "minute": 44}
